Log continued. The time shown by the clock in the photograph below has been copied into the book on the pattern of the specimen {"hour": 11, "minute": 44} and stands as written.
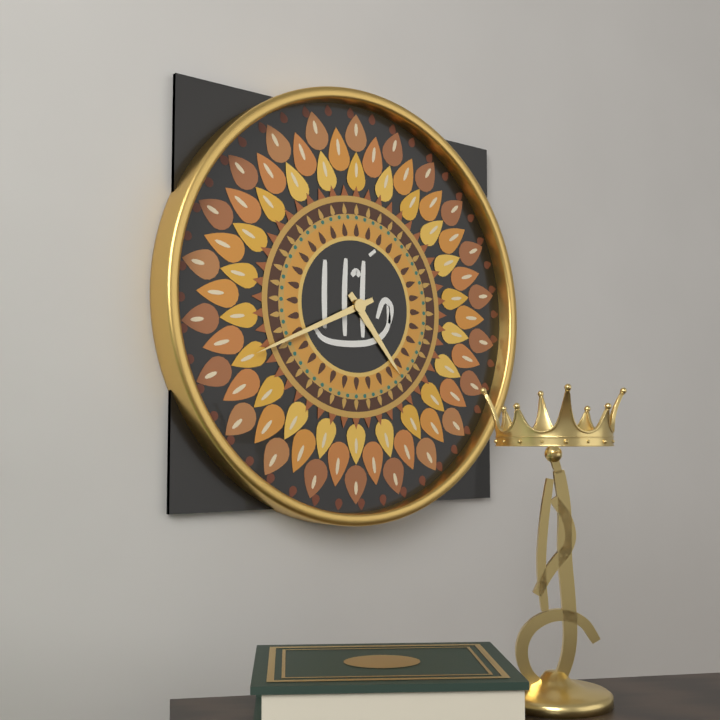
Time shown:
{"hour": 4, "minute": 41}
